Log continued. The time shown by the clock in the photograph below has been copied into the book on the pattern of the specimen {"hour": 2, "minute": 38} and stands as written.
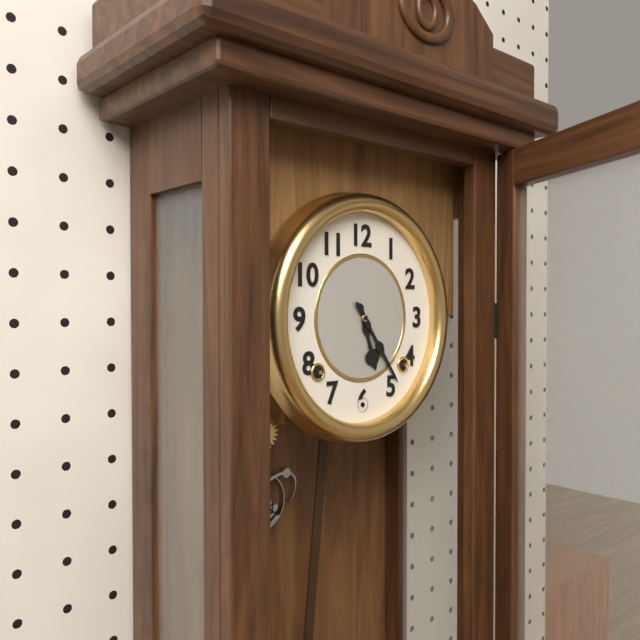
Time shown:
{"hour": 5, "minute": 24}
